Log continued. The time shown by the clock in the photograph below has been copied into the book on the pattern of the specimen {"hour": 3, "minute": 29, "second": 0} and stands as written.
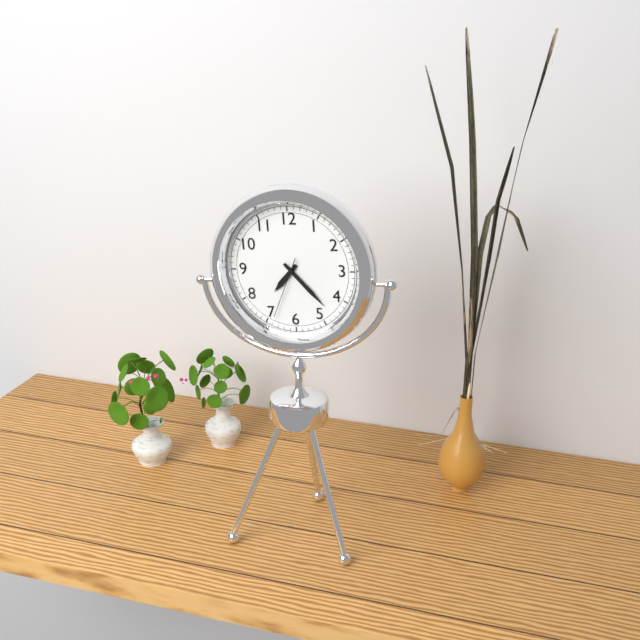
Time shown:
{"hour": 7, "minute": 23, "second": 34}
